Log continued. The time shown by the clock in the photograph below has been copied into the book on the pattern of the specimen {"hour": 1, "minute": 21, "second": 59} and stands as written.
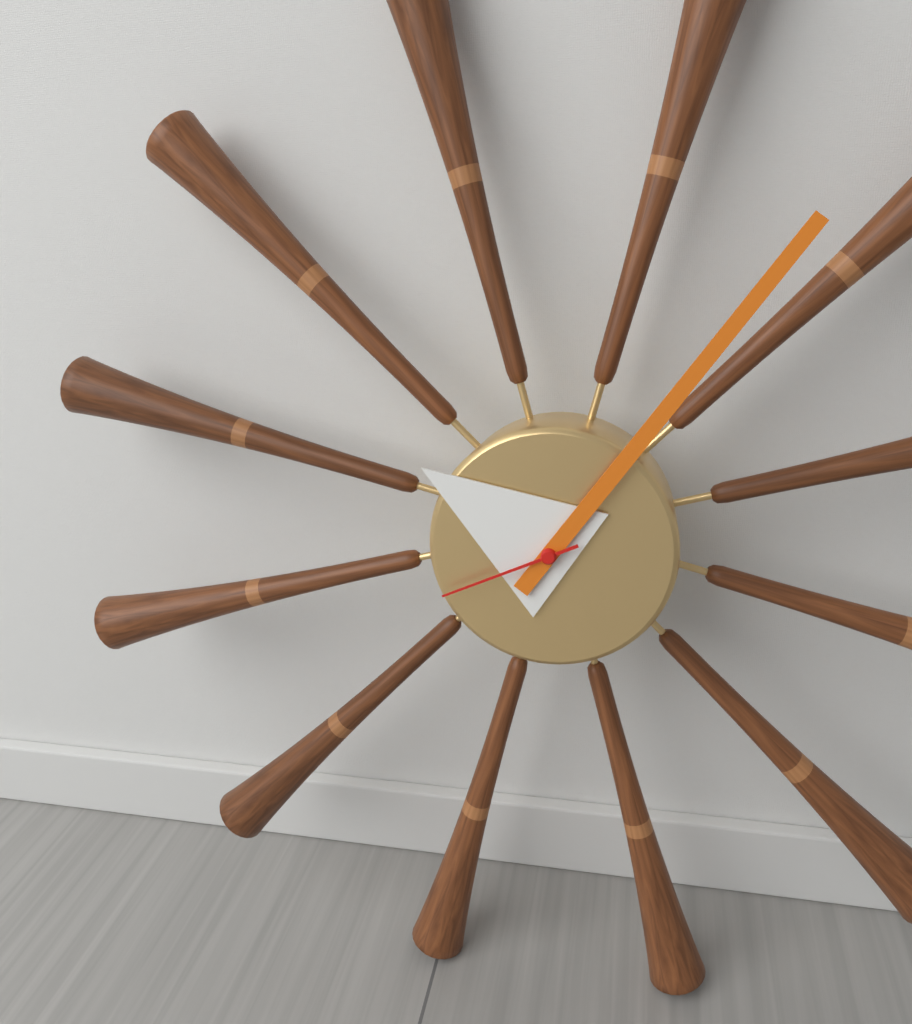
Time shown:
{"hour": 10, "minute": 6, "second": 41}
